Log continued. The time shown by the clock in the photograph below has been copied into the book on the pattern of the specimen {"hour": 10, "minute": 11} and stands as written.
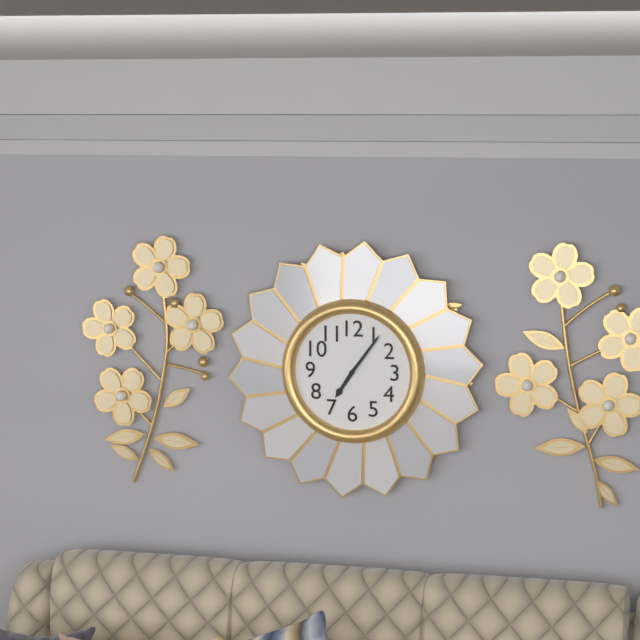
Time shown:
{"hour": 7, "minute": 6}
